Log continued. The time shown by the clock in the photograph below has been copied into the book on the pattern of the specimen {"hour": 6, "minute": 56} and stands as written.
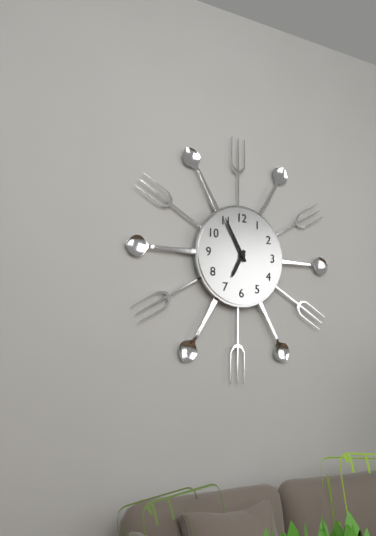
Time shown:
{"hour": 6, "minute": 55}
